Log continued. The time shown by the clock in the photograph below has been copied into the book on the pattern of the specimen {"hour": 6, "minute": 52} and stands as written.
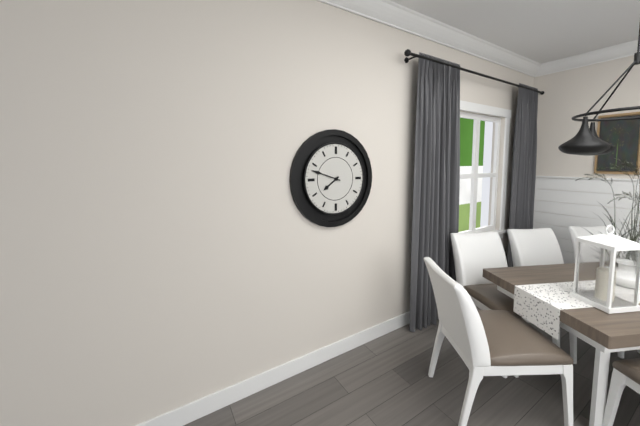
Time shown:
{"hour": 7, "minute": 48}
